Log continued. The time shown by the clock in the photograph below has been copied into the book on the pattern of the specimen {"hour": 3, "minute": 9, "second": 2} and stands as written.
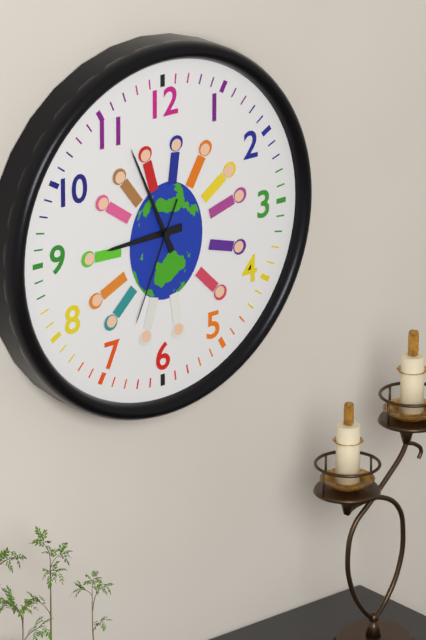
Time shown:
{"hour": 8, "minute": 56, "second": 34}
